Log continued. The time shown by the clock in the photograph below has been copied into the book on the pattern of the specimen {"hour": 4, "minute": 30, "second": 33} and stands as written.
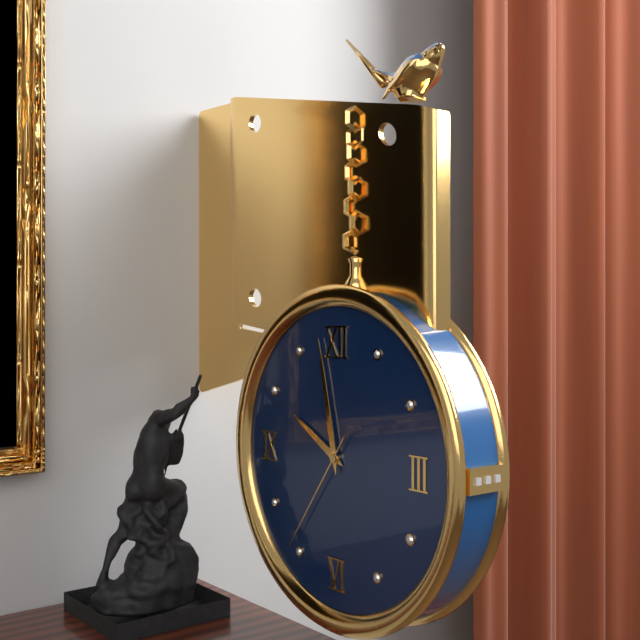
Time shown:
{"hour": 9, "minute": 58, "second": 36}
